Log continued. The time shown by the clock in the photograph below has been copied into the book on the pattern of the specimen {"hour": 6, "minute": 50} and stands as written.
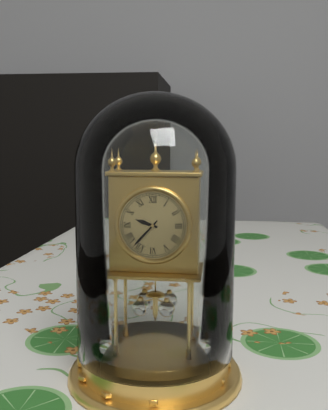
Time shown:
{"hour": 9, "minute": 37}
